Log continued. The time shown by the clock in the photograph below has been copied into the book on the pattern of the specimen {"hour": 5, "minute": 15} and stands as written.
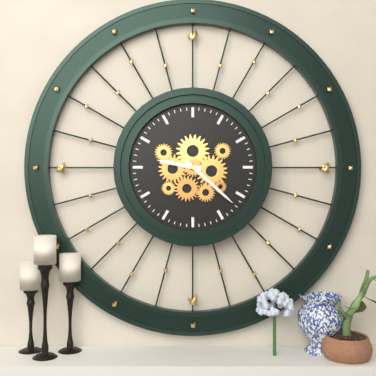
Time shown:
{"hour": 9, "minute": 22}
